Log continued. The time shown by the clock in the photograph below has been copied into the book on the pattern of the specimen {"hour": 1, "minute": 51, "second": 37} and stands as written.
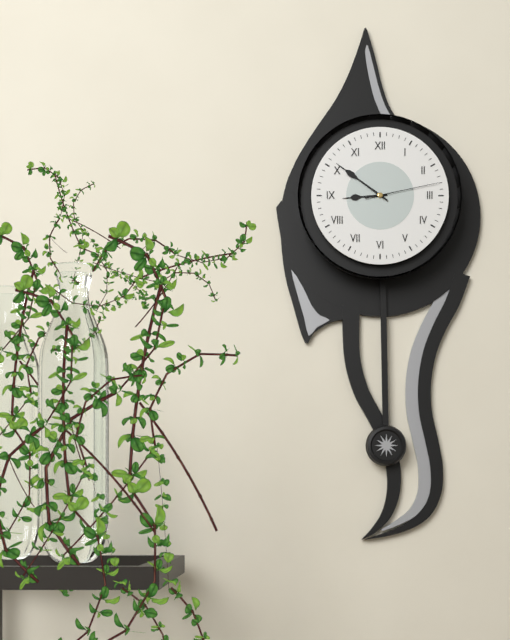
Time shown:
{"hour": 8, "minute": 51, "second": 13}
